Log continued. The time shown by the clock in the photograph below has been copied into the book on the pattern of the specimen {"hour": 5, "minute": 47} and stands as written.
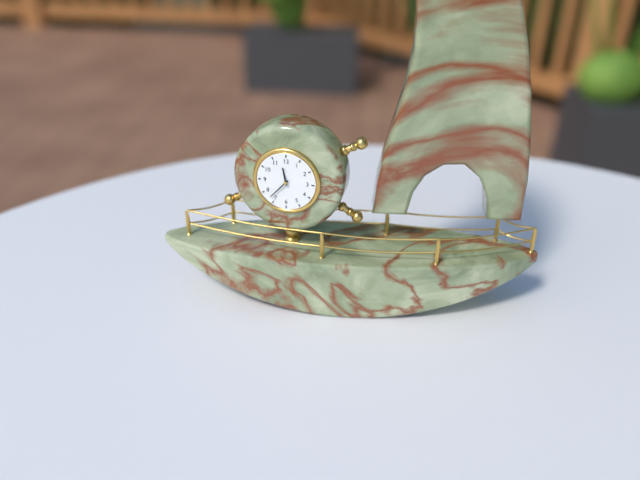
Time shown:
{"hour": 11, "minute": 37}
